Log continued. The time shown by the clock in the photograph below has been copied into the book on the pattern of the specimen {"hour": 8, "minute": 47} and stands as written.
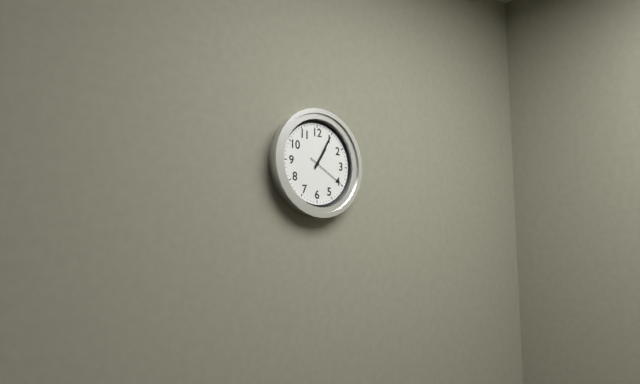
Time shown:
{"hour": 1, "minute": 5}
